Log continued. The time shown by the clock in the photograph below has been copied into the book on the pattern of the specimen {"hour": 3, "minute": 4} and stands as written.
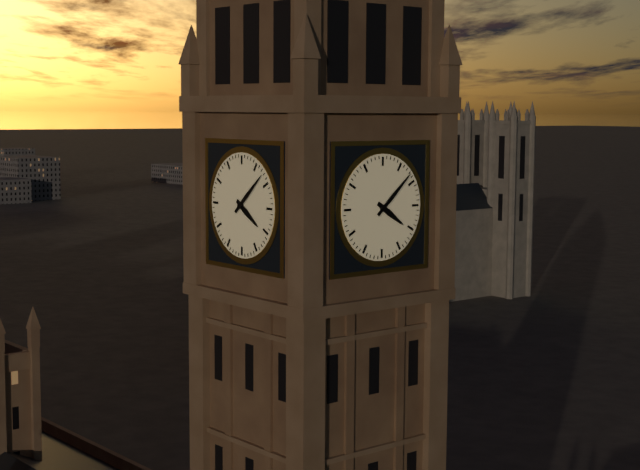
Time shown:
{"hour": 4, "minute": 8}
